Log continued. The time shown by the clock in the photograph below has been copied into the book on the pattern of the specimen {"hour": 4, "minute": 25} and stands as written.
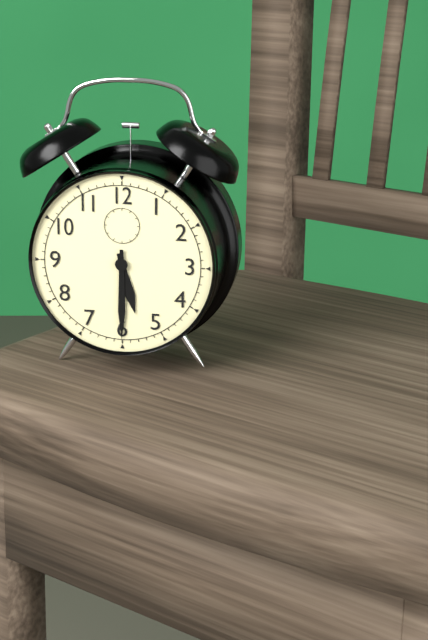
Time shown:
{"hour": 5, "minute": 30}
